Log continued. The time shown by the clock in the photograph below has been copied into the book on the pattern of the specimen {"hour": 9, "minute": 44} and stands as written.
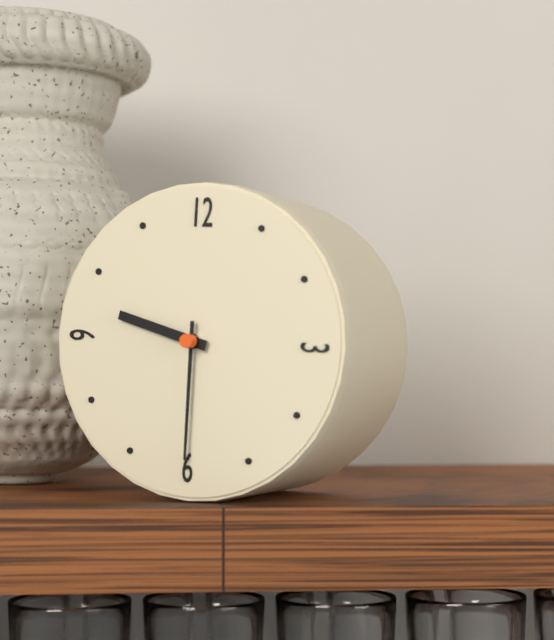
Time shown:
{"hour": 9, "minute": 30}
